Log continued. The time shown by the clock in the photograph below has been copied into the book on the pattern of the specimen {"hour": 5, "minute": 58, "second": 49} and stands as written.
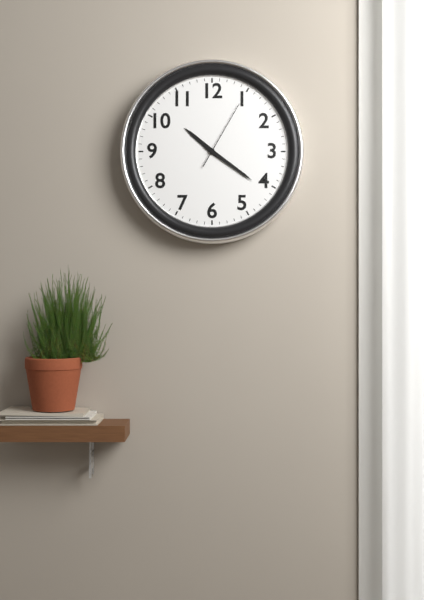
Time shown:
{"hour": 10, "minute": 21, "second": 5}
